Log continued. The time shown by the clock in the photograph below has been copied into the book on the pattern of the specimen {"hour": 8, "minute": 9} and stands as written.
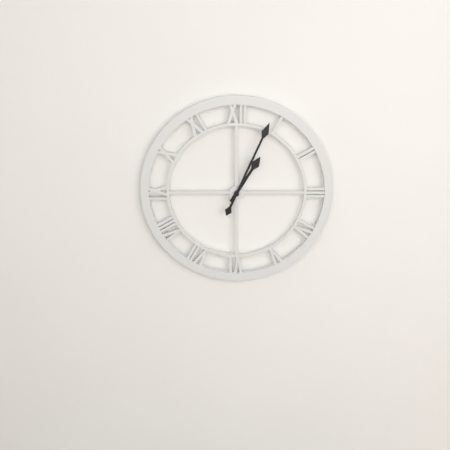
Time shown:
{"hour": 1, "minute": 4}
